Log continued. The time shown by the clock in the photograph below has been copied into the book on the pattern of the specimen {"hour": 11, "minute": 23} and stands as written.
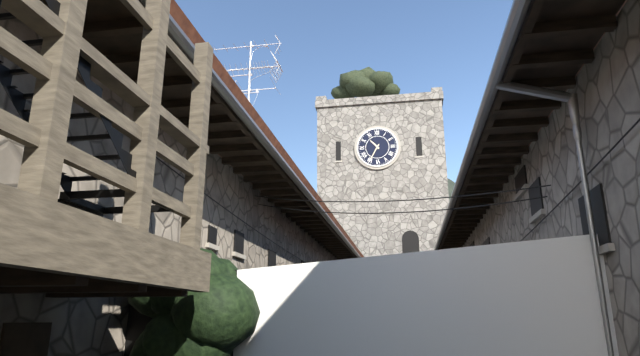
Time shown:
{"hour": 10, "minute": 35}
